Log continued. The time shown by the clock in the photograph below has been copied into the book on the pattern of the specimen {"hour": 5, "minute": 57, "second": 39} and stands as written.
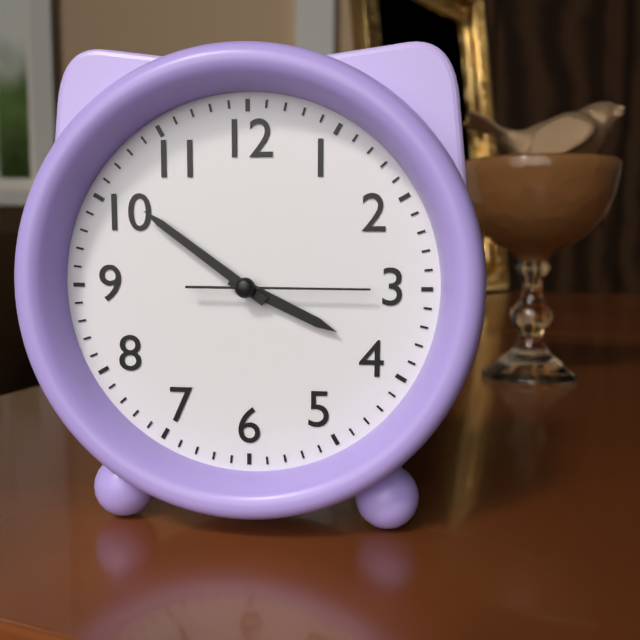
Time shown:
{"hour": 3, "minute": 51, "second": 15}
